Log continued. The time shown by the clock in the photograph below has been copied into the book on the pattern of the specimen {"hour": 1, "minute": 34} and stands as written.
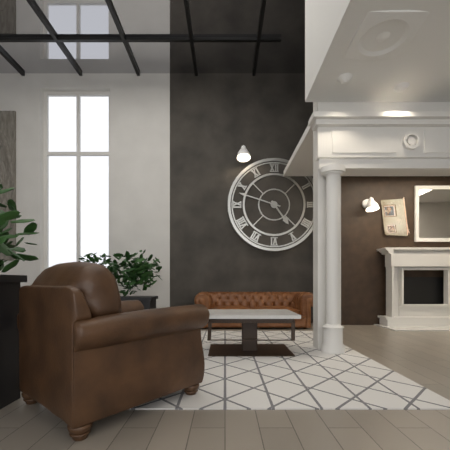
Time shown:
{"hour": 4, "minute": 48}
